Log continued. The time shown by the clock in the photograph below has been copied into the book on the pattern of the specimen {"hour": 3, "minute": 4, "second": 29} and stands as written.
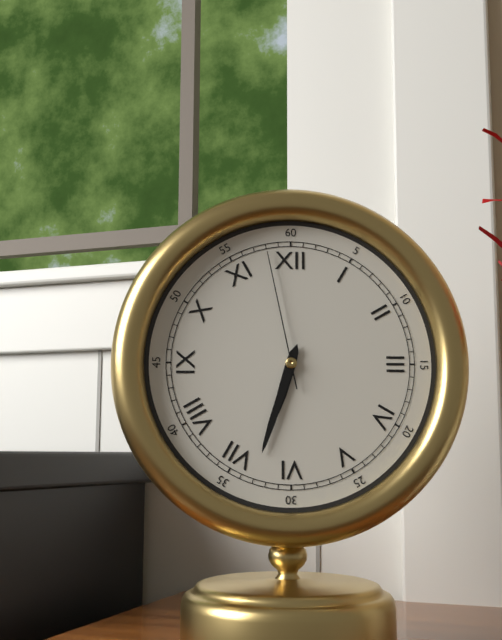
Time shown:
{"hour": 6, "minute": 33, "second": 58}
